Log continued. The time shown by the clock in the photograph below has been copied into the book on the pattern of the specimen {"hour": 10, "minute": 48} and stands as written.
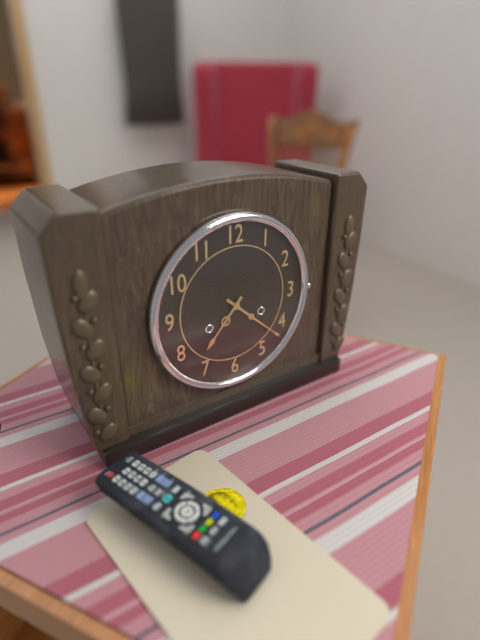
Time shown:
{"hour": 7, "minute": 22}
